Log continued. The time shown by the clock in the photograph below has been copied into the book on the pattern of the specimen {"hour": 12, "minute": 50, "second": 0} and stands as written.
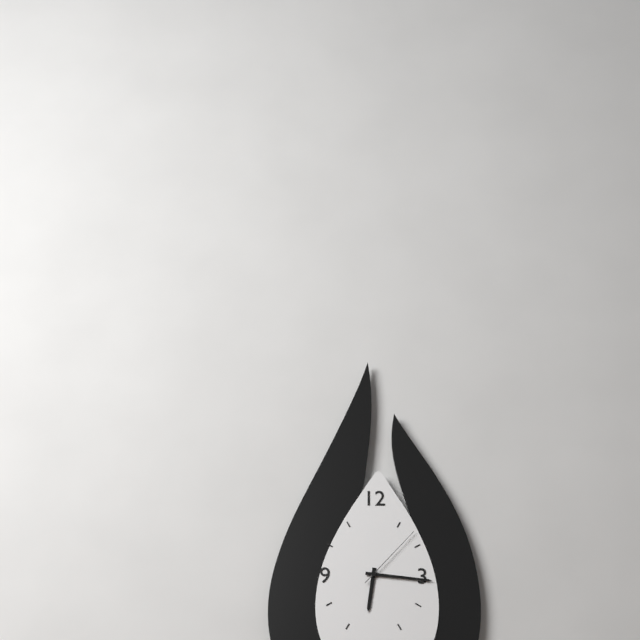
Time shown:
{"hour": 6, "minute": 16, "second": 7}
